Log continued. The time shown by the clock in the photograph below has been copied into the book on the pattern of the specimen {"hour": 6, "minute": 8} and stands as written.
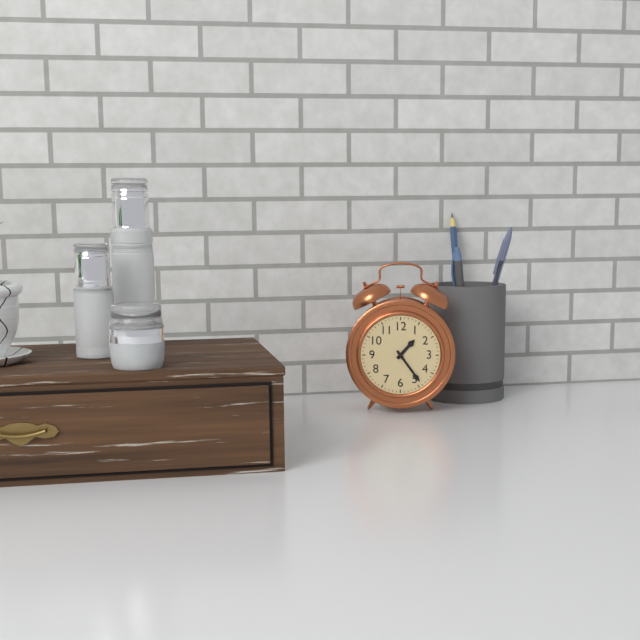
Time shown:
{"hour": 1, "minute": 24}
